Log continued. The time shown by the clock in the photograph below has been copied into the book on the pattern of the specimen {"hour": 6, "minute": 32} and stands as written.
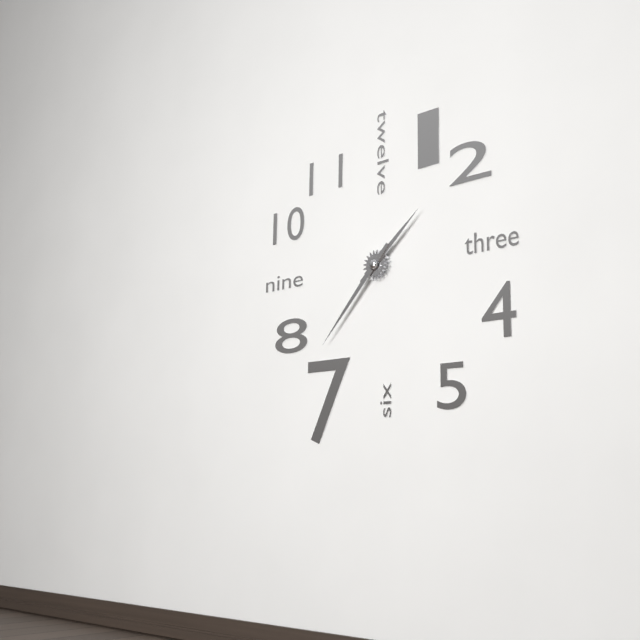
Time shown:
{"hour": 1, "minute": 37}
